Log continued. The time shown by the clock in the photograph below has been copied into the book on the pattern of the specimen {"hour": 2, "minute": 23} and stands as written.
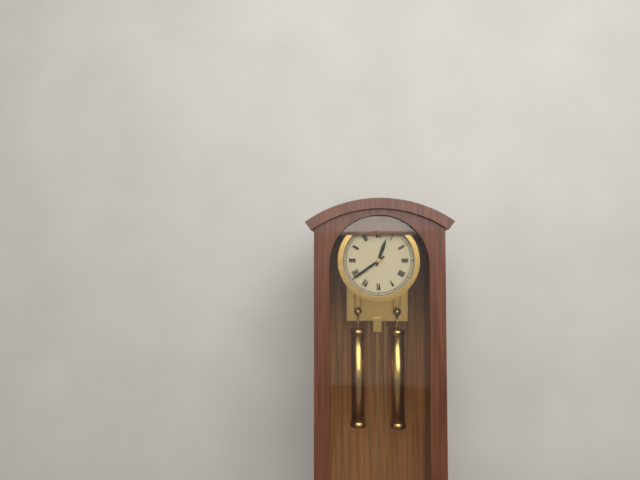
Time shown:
{"hour": 12, "minute": 39}
